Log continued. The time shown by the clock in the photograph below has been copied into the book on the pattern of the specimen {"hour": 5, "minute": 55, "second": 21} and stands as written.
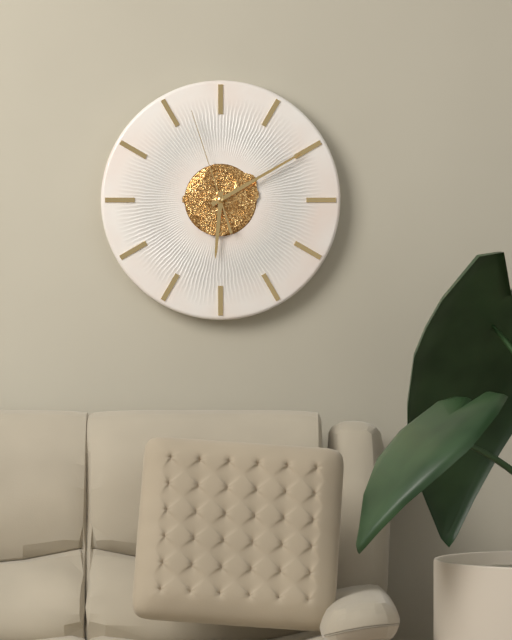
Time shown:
{"hour": 6, "minute": 10, "second": 57}
